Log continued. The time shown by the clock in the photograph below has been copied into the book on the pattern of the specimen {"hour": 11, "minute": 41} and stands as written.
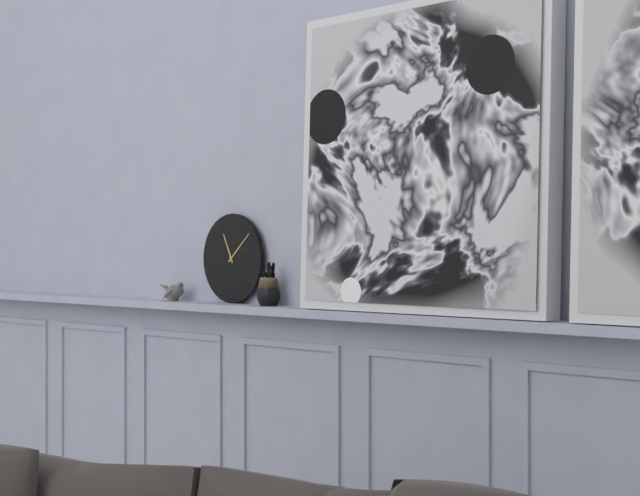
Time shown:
{"hour": 11, "minute": 8}
